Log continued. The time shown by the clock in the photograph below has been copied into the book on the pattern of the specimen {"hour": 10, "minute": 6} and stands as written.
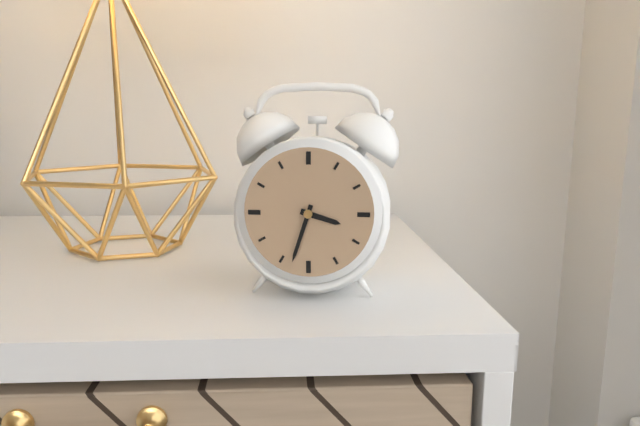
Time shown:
{"hour": 3, "minute": 33}
